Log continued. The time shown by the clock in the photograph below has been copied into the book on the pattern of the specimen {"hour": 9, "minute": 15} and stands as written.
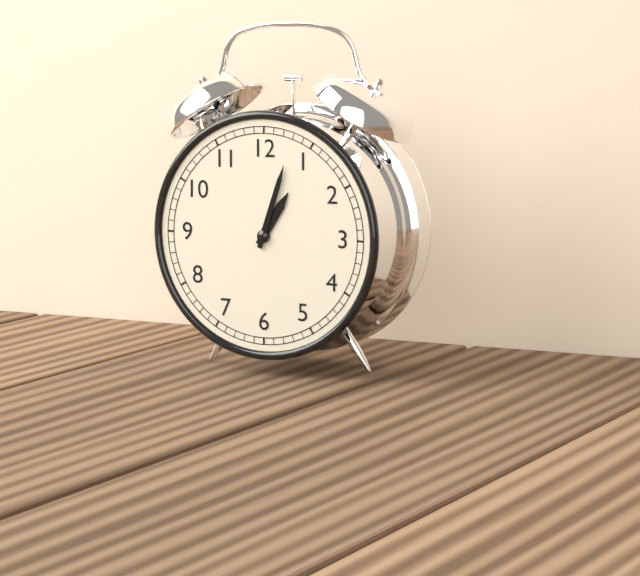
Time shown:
{"hour": 1, "minute": 3}
